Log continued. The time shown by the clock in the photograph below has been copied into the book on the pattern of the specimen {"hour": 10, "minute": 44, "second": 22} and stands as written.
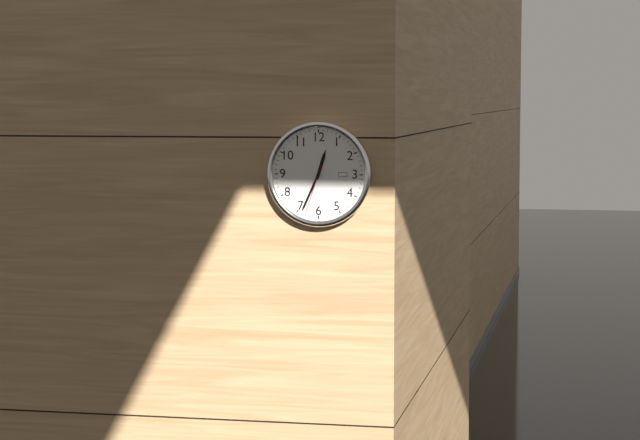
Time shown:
{"hour": 12, "minute": 34, "second": 33}
